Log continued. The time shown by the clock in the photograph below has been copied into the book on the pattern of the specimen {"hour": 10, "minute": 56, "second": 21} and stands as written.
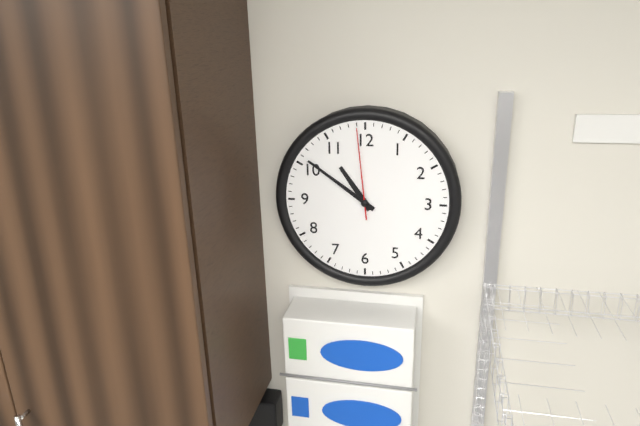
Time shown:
{"hour": 10, "minute": 51, "second": 59}
